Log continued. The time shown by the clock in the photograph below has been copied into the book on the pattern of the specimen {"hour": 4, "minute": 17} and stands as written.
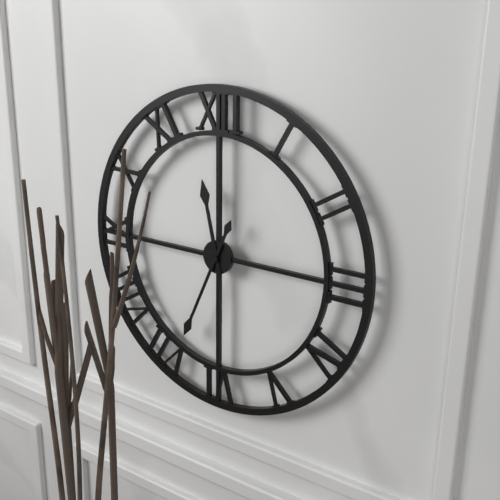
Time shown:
{"hour": 11, "minute": 34}
